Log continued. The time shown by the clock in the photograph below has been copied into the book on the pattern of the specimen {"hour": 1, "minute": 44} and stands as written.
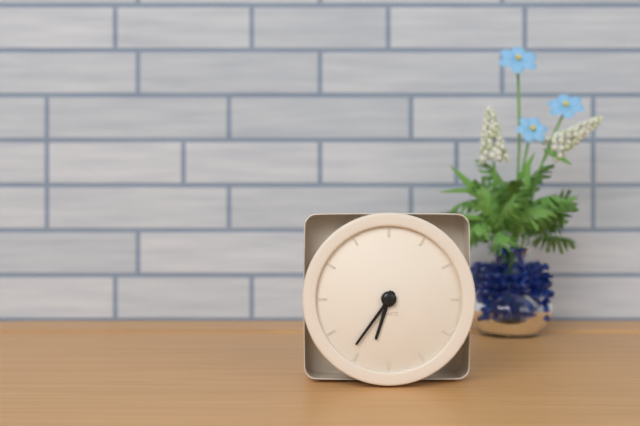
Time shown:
{"hour": 6, "minute": 36}
